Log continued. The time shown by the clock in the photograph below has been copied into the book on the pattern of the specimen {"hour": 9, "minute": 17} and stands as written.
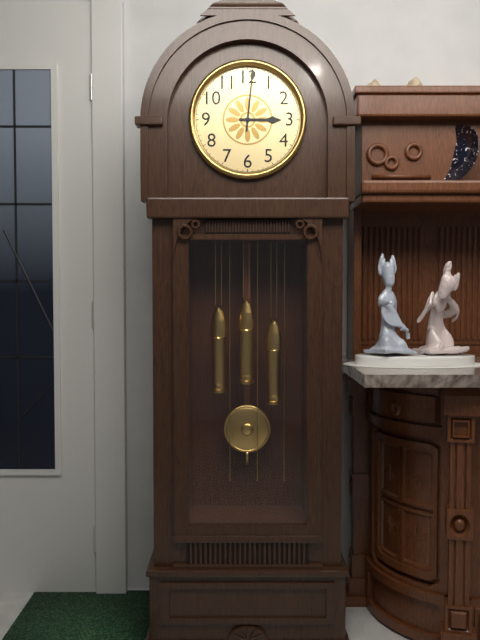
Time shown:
{"hour": 3, "minute": 1}
